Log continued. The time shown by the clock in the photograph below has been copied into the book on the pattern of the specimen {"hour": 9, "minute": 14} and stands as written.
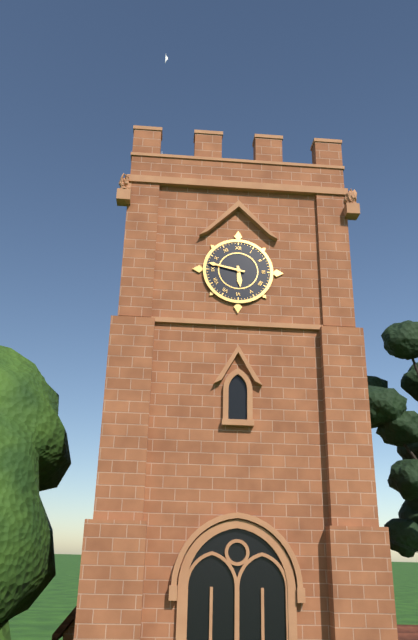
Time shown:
{"hour": 5, "minute": 47}
